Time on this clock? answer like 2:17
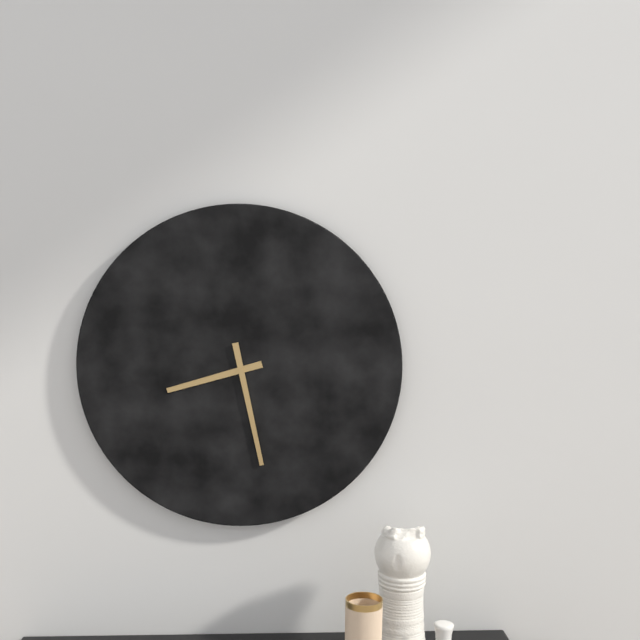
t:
8:28
